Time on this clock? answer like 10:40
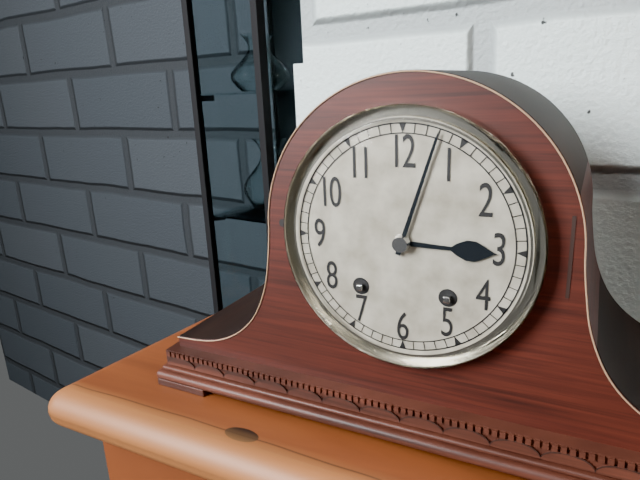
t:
3:03
